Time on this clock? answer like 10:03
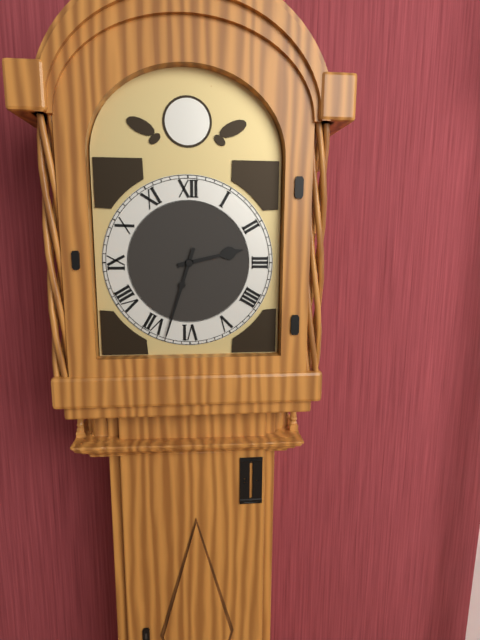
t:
2:33
